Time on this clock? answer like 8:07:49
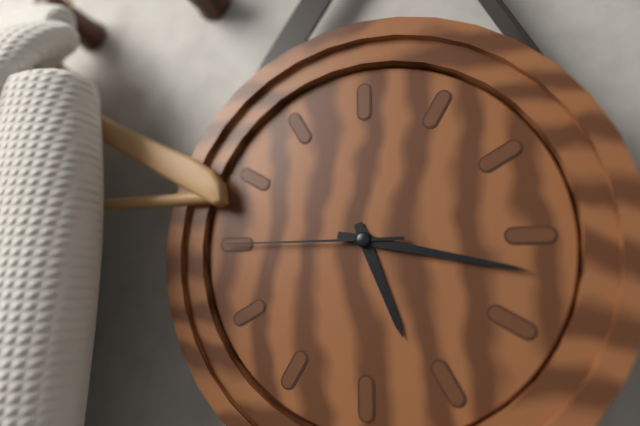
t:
5:17:45
